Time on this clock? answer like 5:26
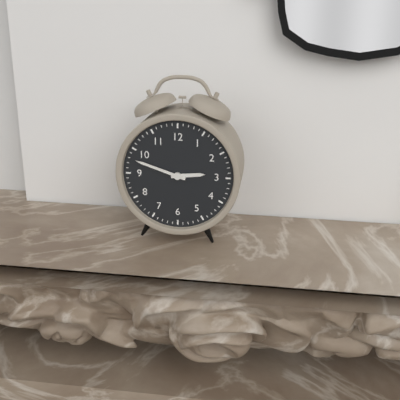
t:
2:48
